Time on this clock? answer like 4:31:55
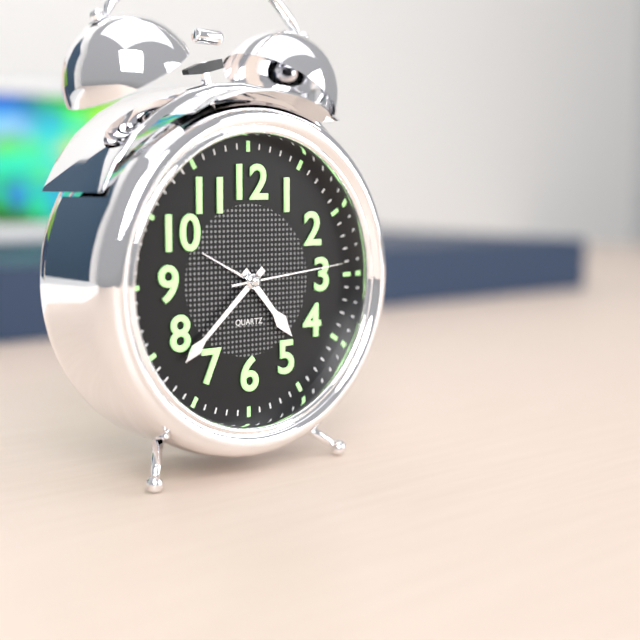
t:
4:38:14
